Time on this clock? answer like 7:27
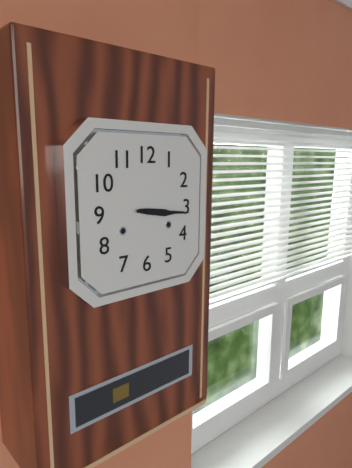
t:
3:16
